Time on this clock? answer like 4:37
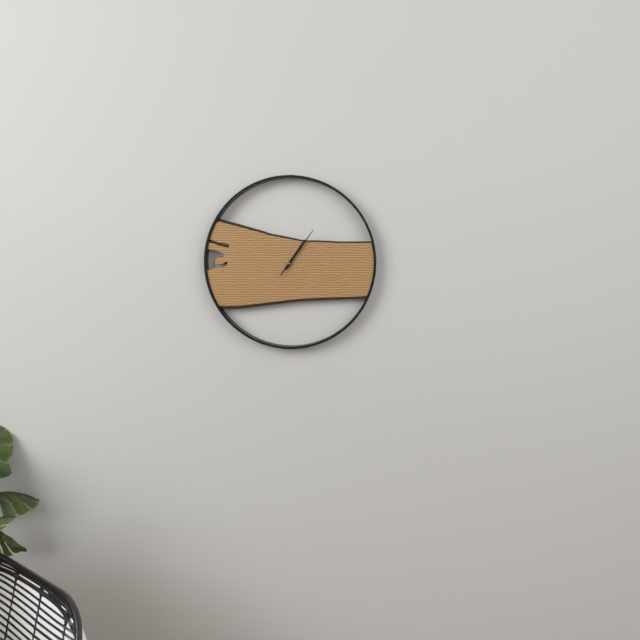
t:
1:06
